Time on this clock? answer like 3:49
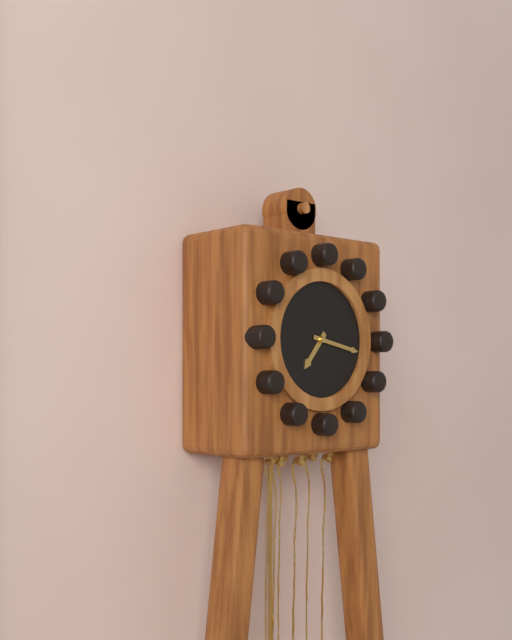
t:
7:17
